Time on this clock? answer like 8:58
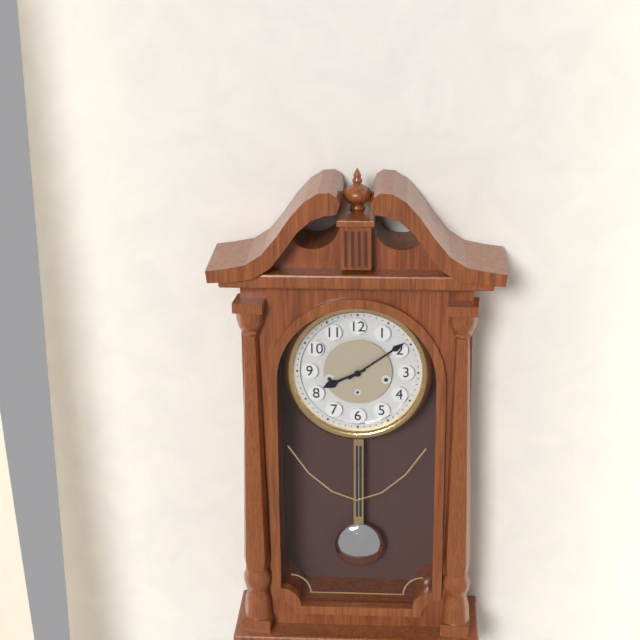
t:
8:09
